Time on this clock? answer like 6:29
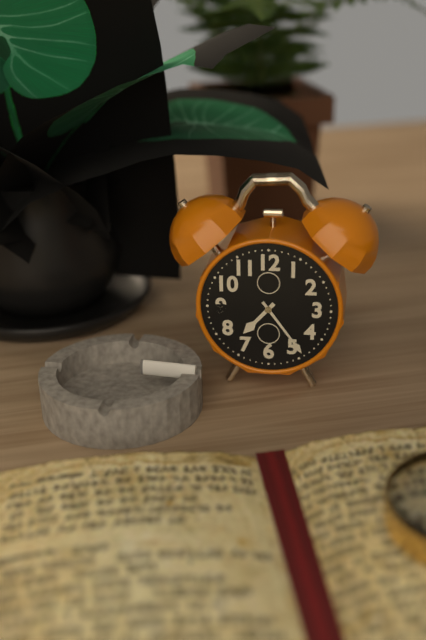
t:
7:24
